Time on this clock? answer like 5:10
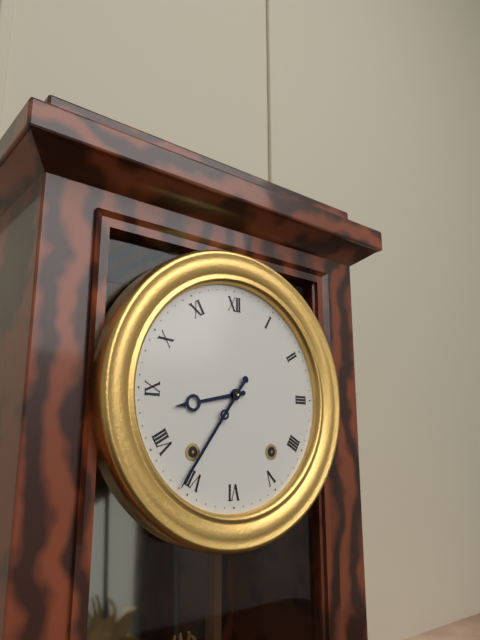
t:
8:36
